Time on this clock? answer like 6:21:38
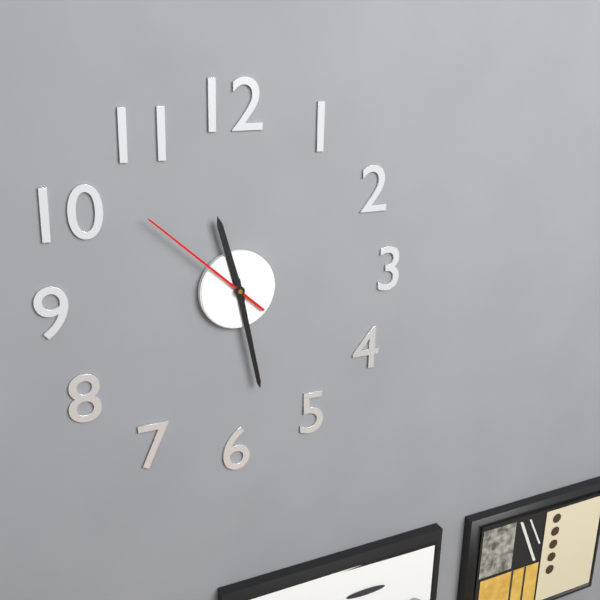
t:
11:28:52
